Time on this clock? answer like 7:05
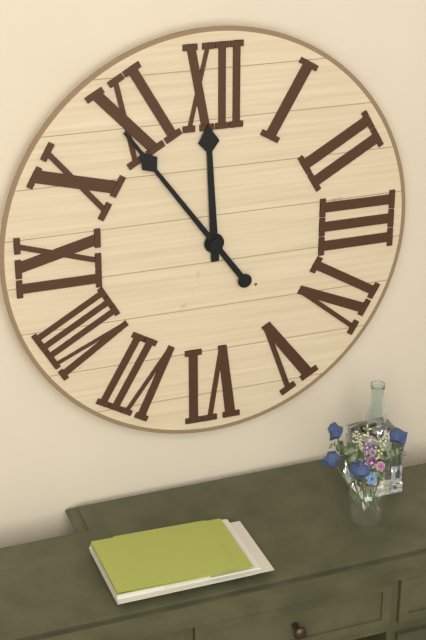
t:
11:54
